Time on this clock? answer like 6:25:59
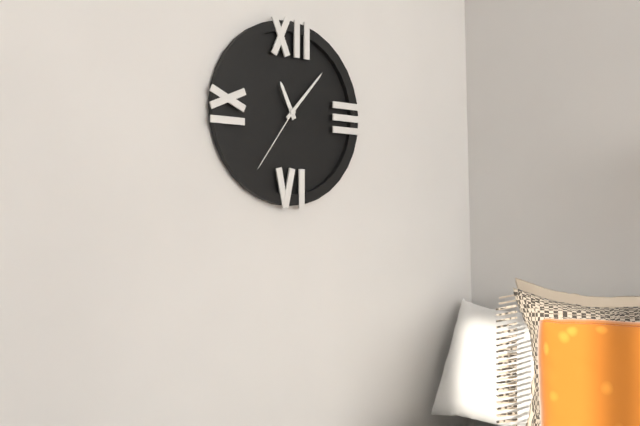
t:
11:07:36
